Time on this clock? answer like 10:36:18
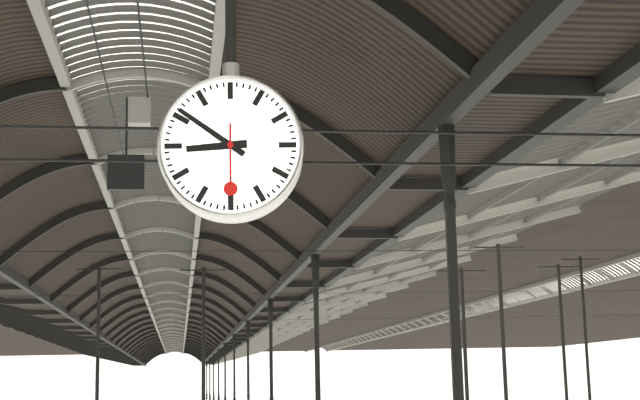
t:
8:51:30
